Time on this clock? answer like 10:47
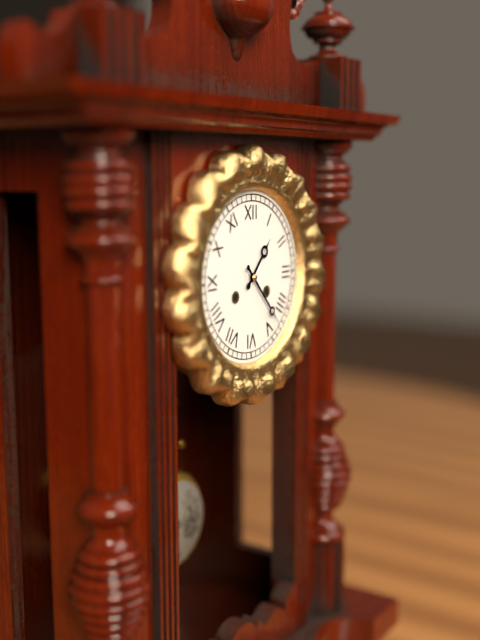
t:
1:23
